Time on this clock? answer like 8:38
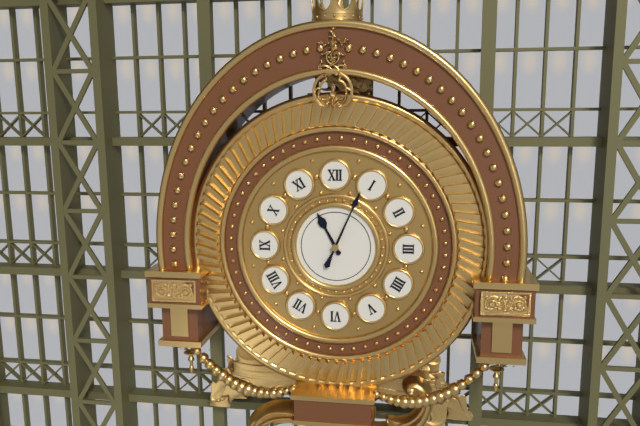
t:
11:04
